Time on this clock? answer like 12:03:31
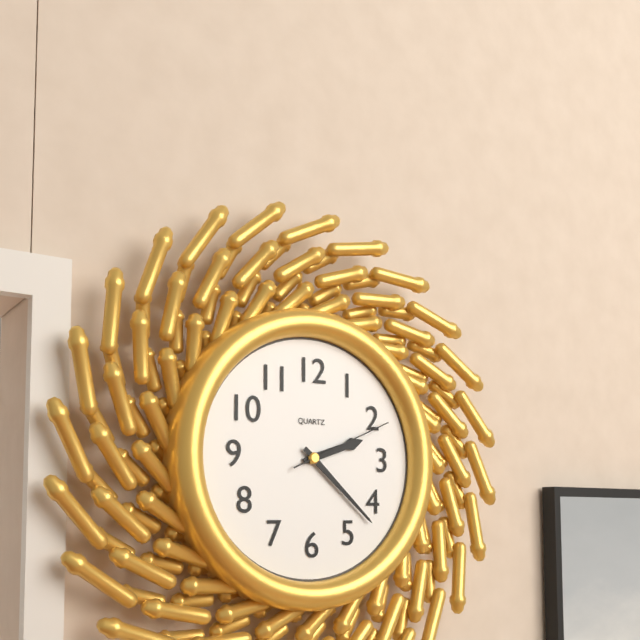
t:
2:22:11
